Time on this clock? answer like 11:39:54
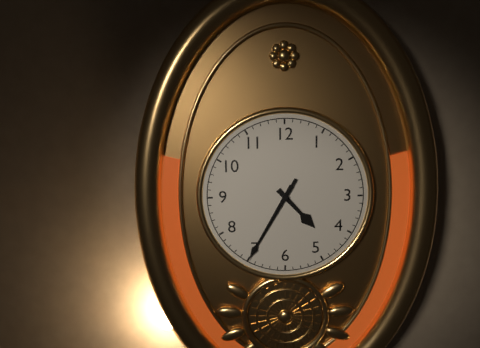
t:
4:35:35
